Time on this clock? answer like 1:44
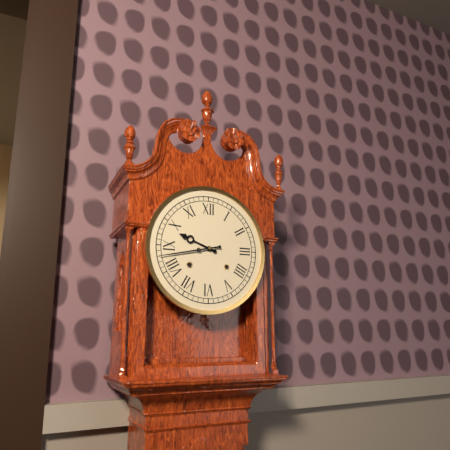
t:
9:43
